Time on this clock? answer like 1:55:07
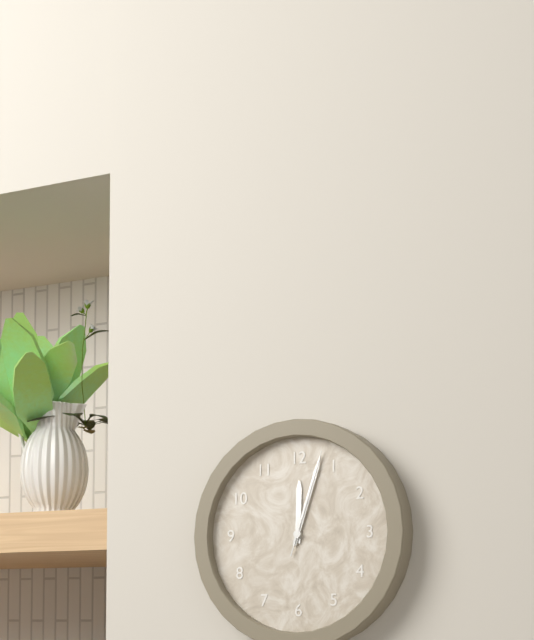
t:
12:03:03
